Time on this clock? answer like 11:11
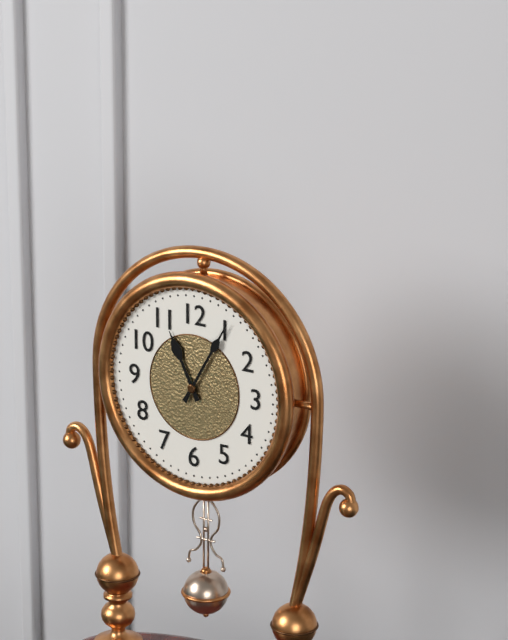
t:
11:05
